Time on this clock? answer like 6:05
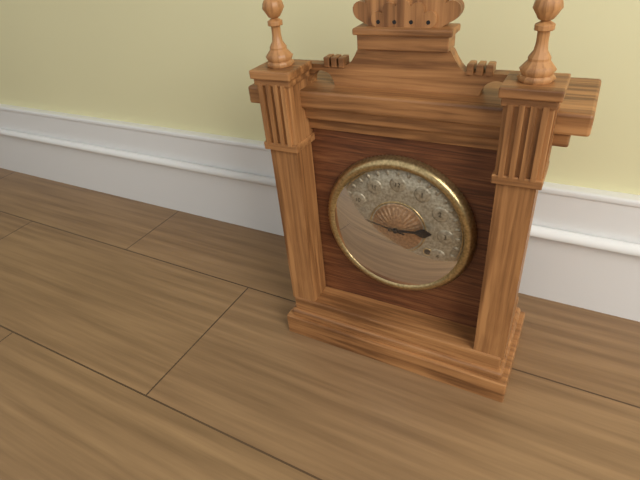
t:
2:47
